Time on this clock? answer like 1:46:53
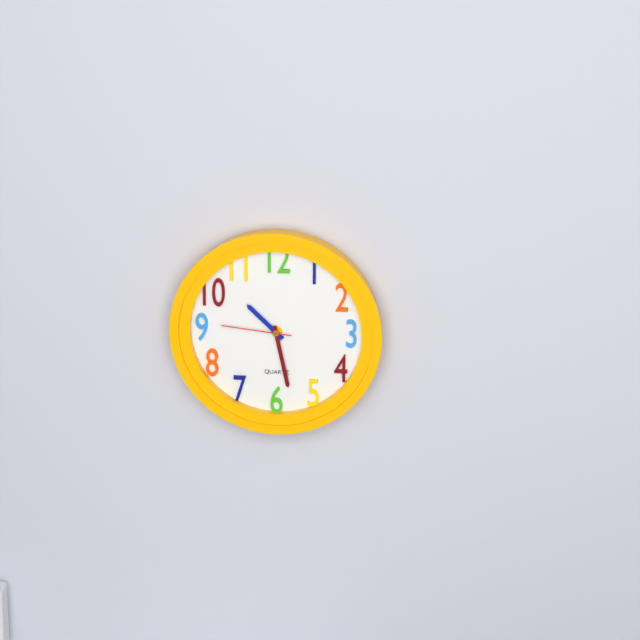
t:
10:28:46
